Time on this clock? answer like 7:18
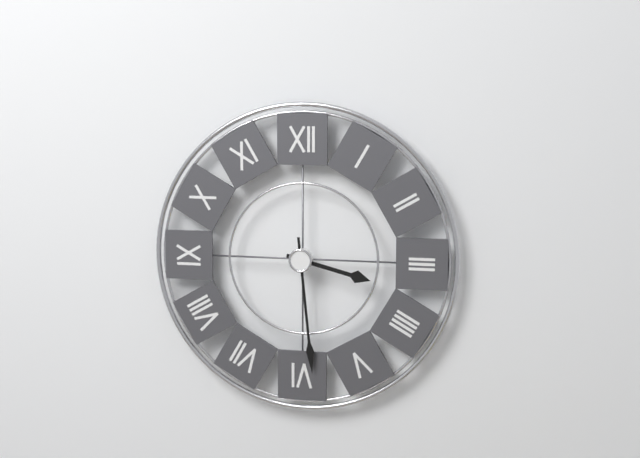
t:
3:29
